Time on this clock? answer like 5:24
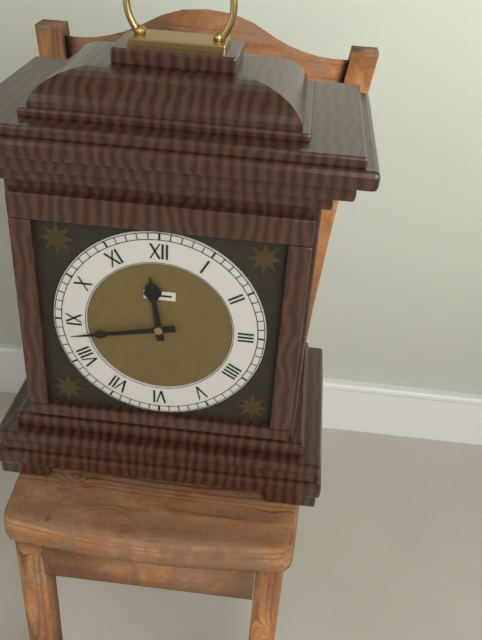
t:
11:43
